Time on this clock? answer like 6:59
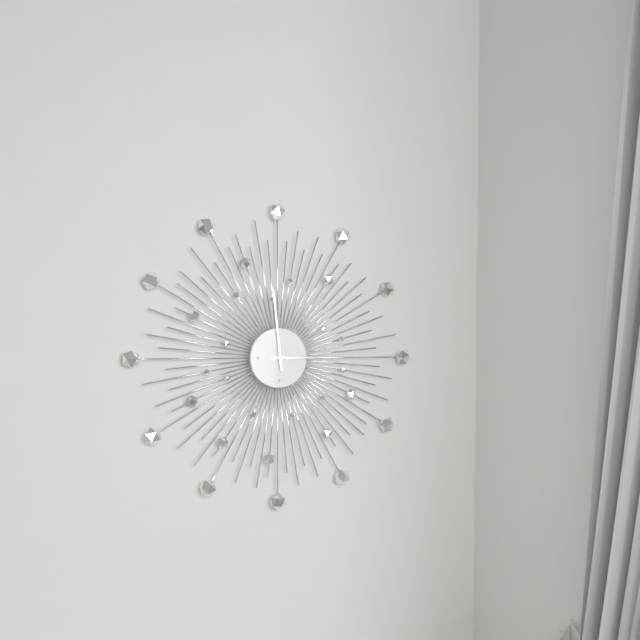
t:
2:59
